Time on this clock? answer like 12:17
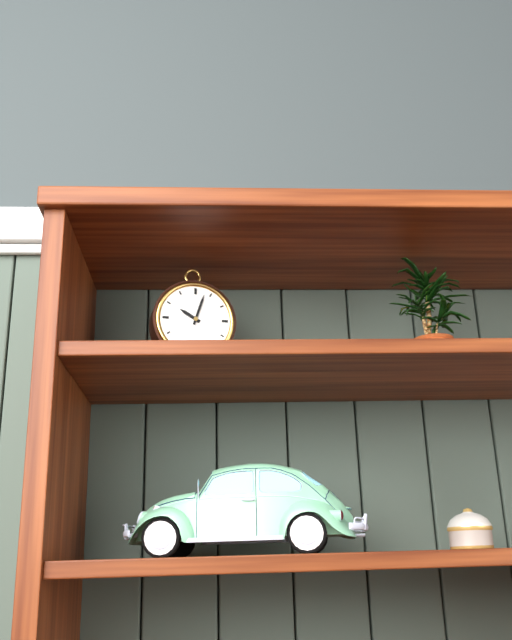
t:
10:03
